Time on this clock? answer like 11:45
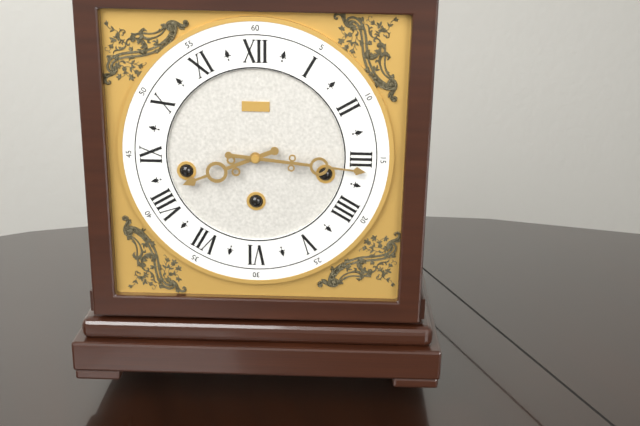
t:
8:16
